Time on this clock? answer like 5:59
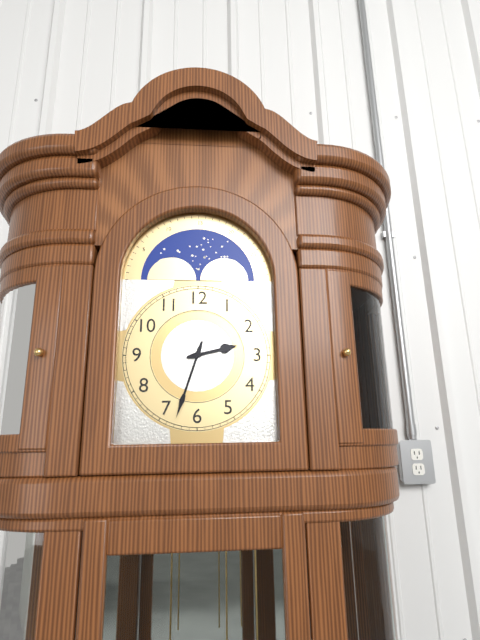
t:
2:33
